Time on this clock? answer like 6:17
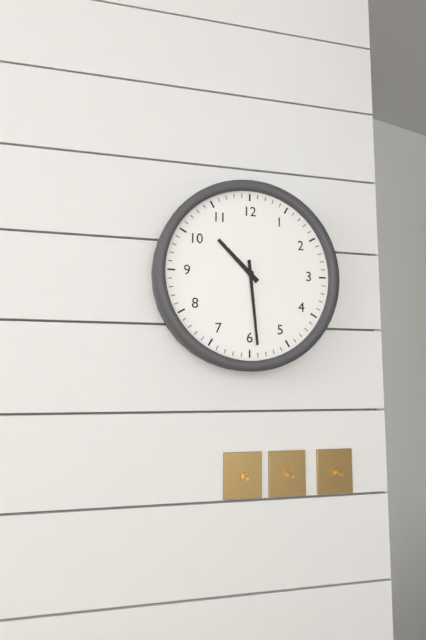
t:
10:29
